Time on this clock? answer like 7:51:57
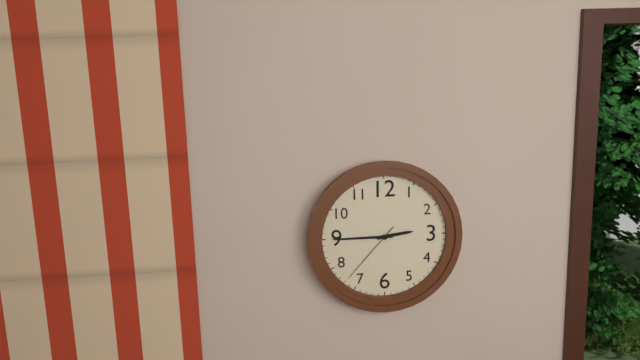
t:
2:45:37
